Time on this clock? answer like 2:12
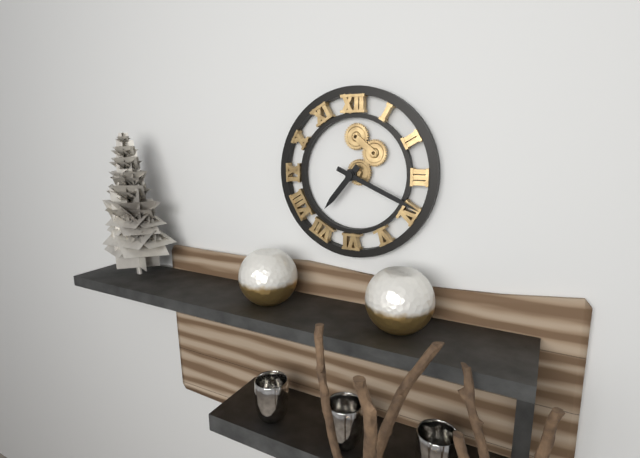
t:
7:19
